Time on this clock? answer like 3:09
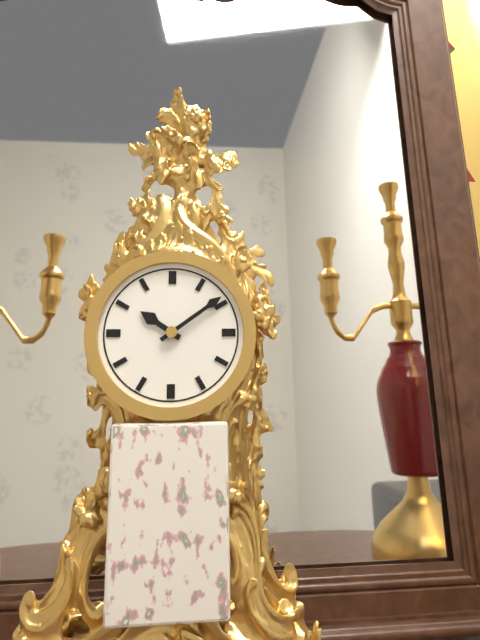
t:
10:09
